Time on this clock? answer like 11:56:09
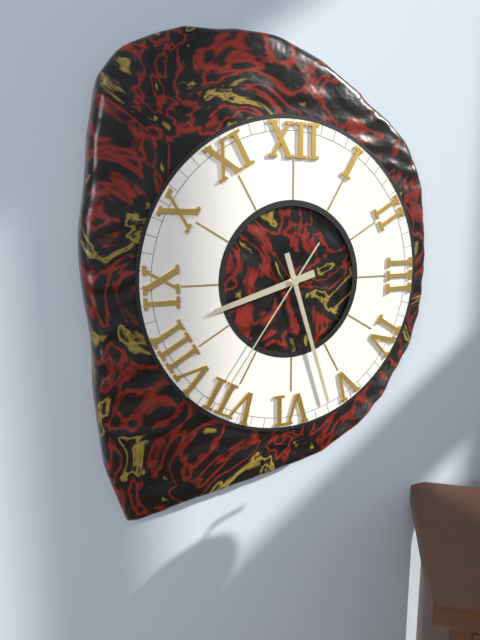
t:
8:27:36
